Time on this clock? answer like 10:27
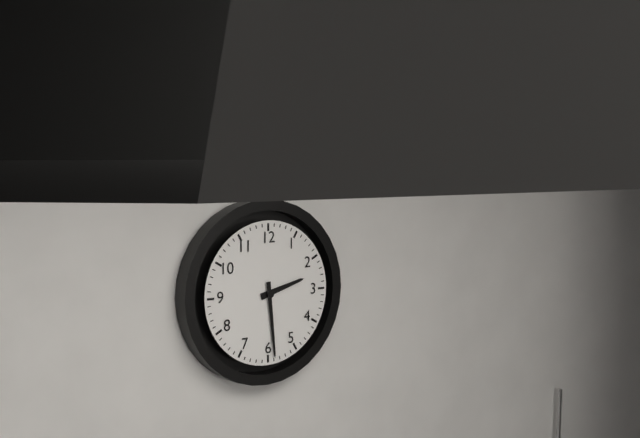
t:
2:29
